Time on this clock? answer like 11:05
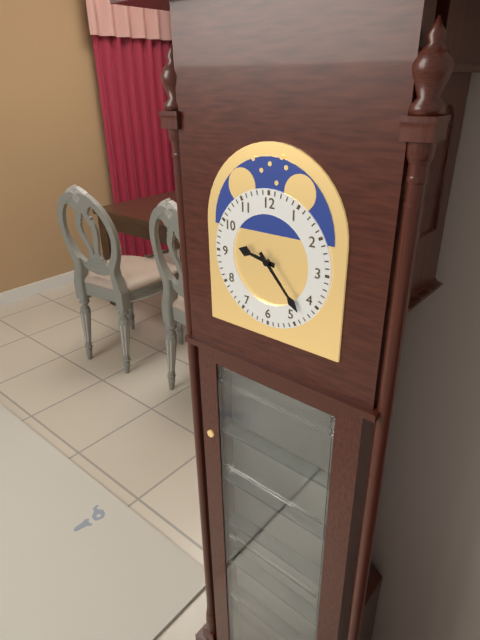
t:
9:23
